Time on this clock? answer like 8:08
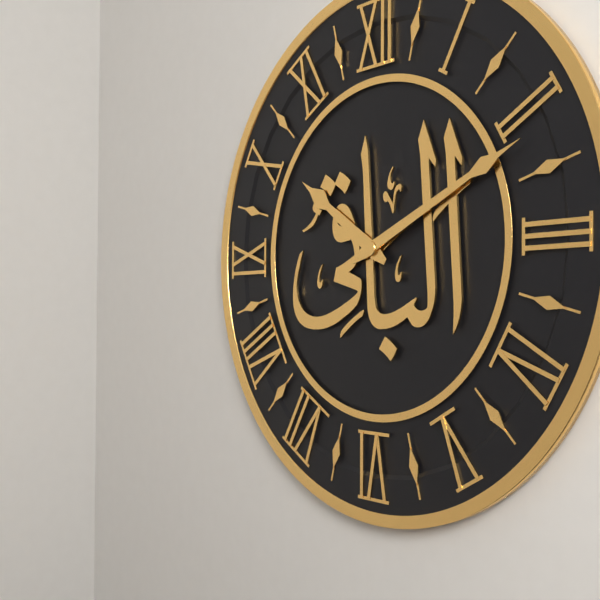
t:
10:11
